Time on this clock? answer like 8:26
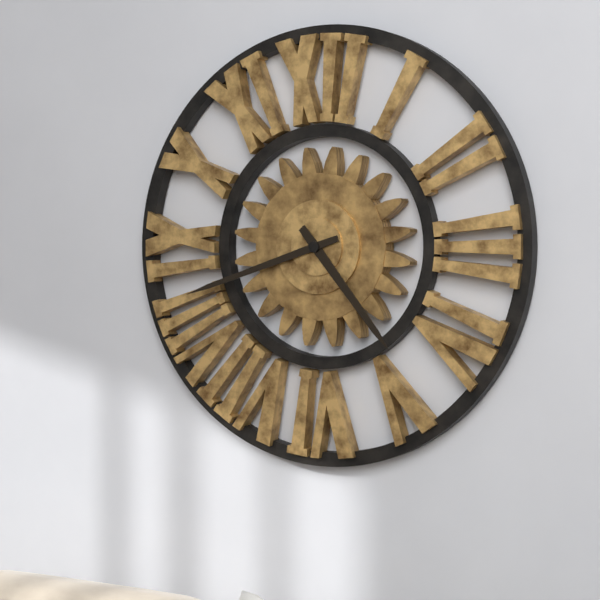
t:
4:42
